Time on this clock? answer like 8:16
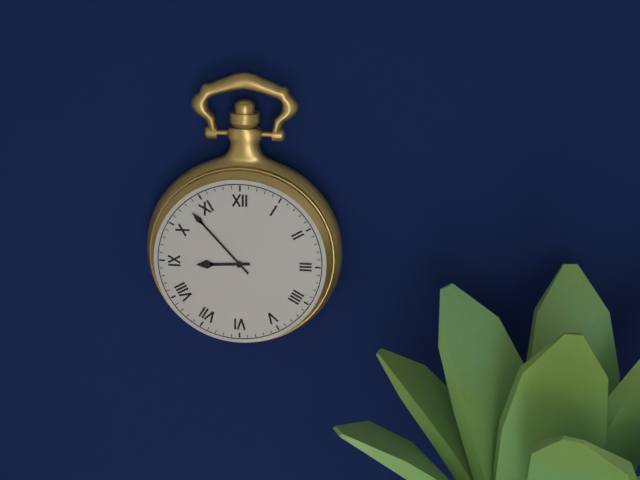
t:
8:53
